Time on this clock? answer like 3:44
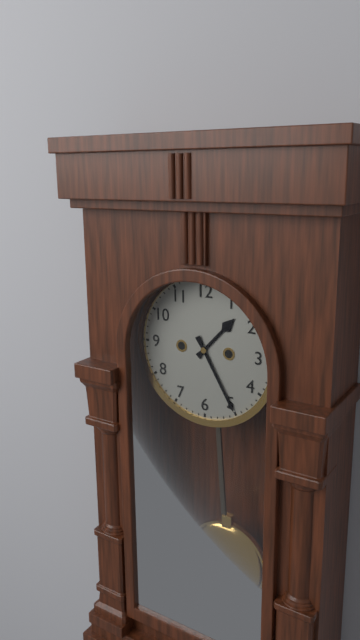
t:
1:25
